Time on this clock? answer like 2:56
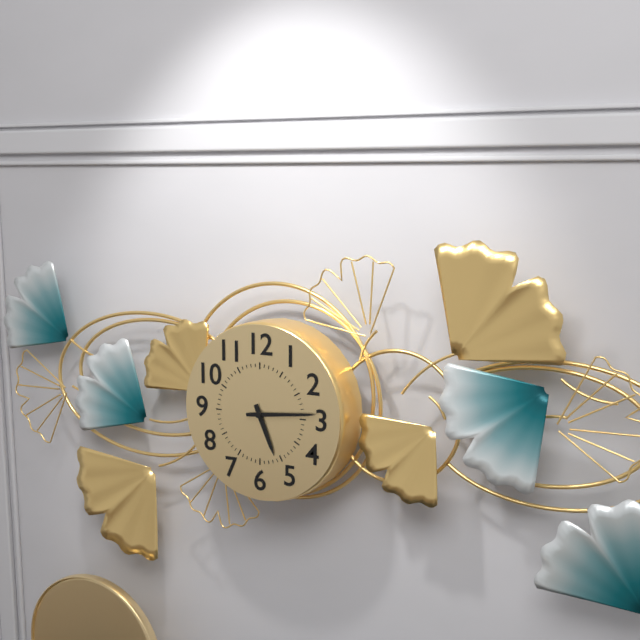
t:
5:14
